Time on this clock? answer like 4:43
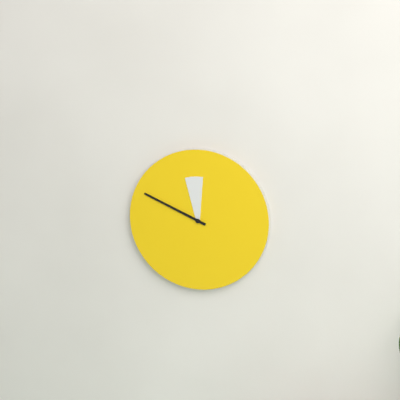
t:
11:49
